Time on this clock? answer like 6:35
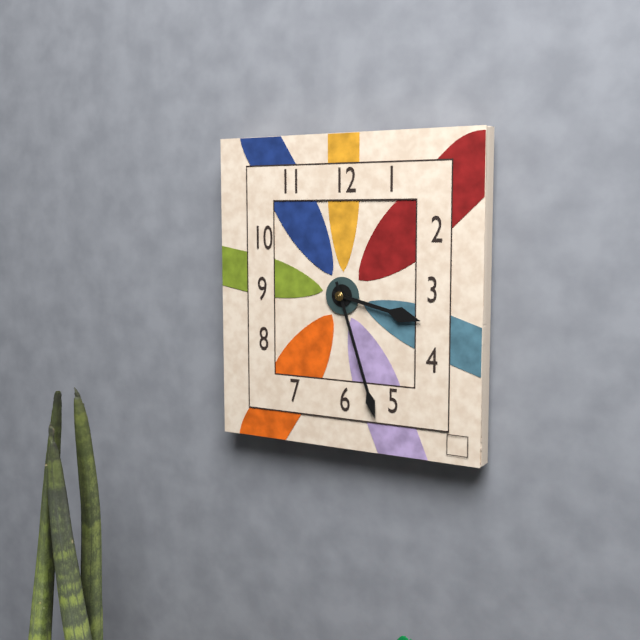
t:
3:27
